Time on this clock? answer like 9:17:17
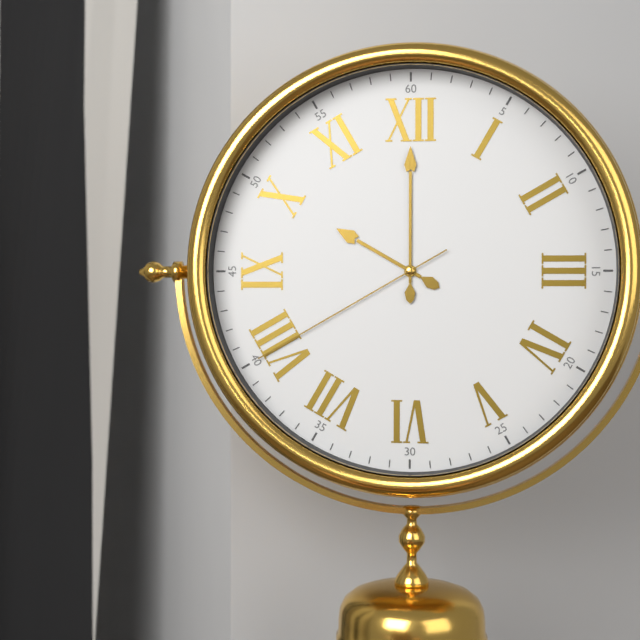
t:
10:00:40
